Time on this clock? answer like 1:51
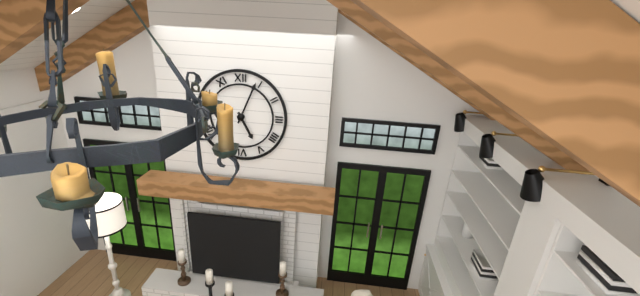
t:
5:04
